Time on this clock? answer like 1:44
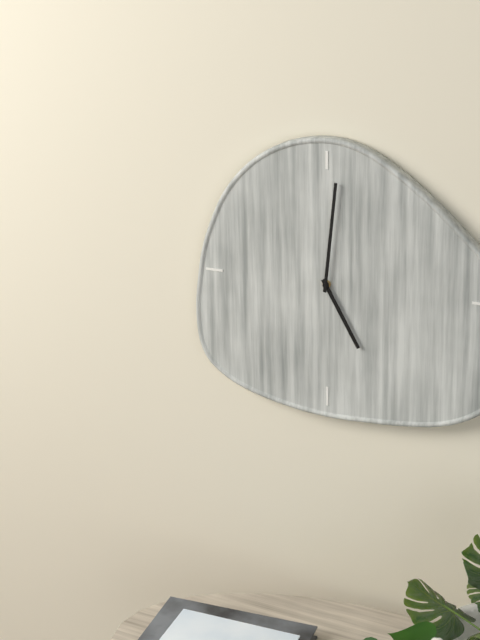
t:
5:01
